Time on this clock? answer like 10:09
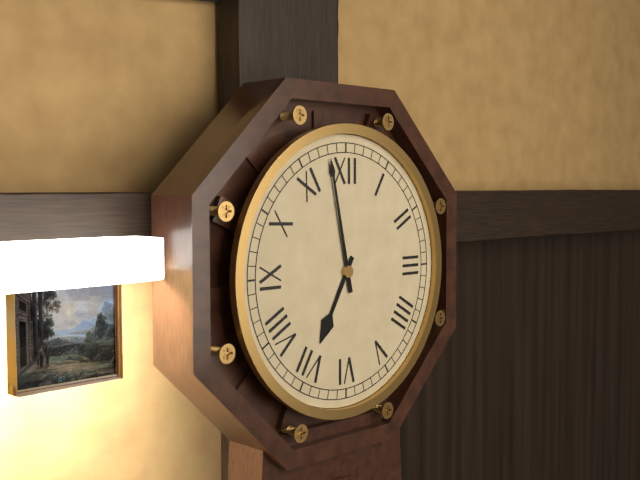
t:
6:58
